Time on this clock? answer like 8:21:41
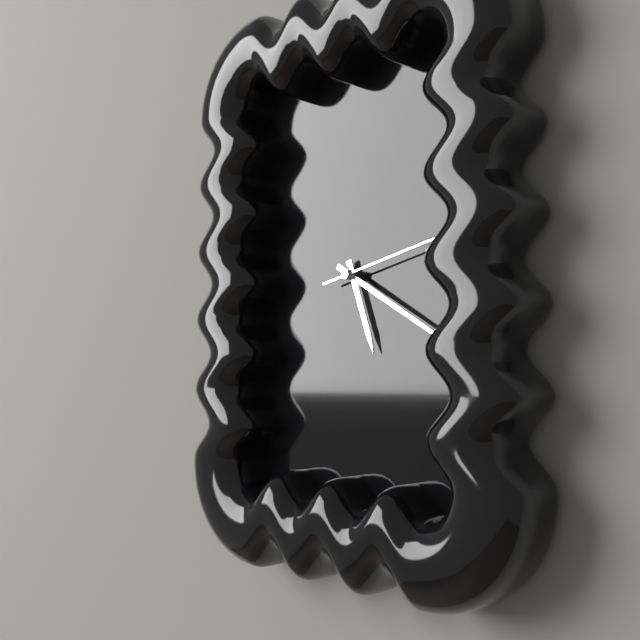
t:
5:20:13
